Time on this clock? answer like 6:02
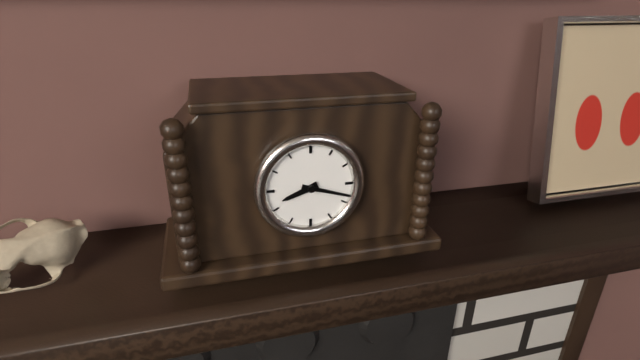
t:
8:18
